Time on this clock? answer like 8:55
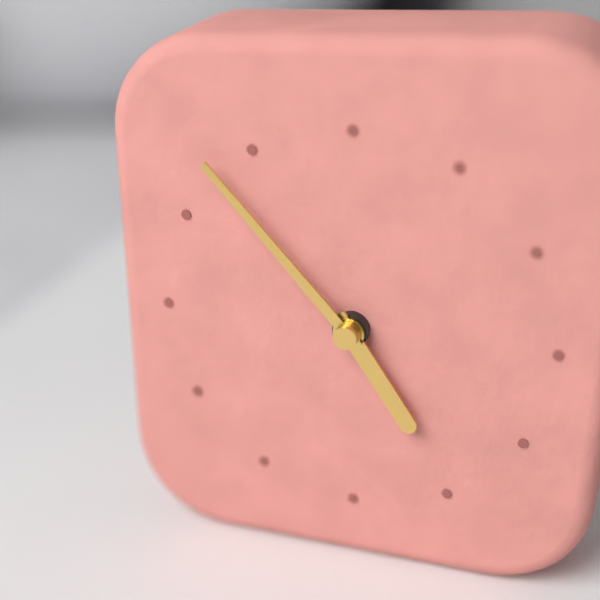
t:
4:53
